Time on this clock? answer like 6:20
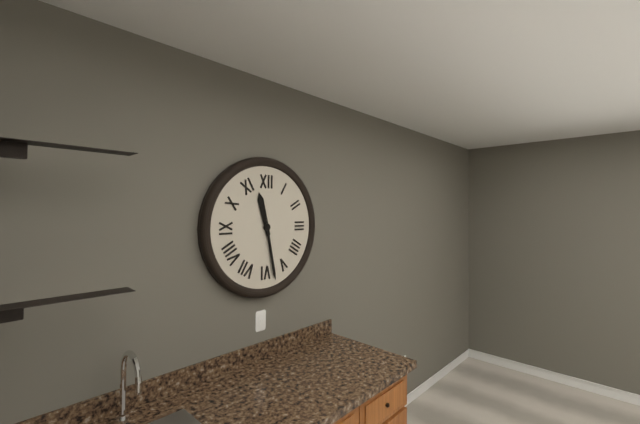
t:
11:28
